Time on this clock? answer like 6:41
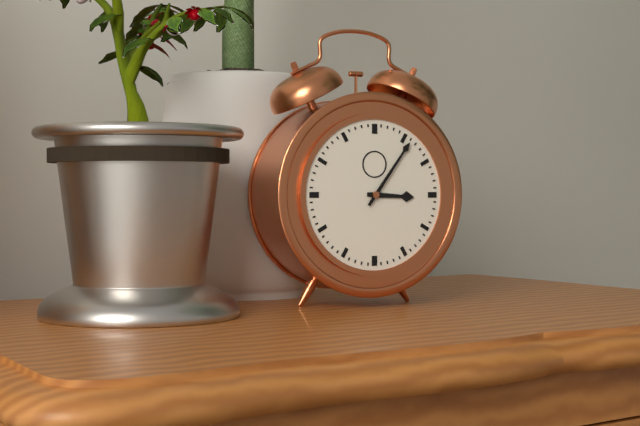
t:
3:06
